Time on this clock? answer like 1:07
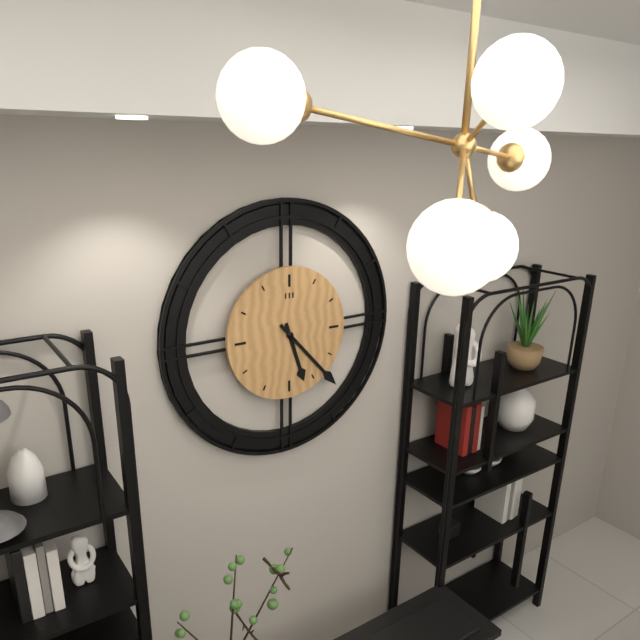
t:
5:23
